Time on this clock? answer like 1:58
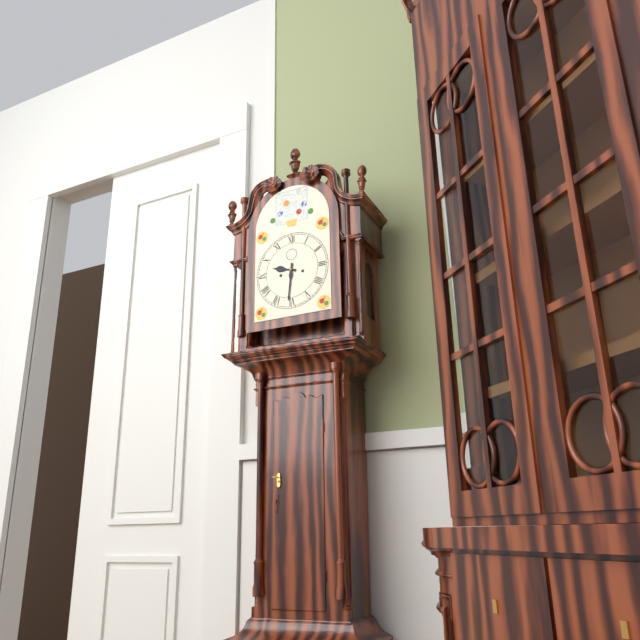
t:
9:31
